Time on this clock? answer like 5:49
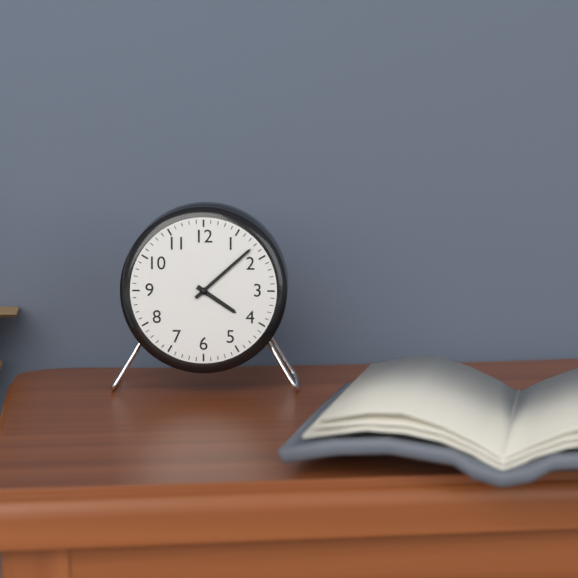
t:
4:08
